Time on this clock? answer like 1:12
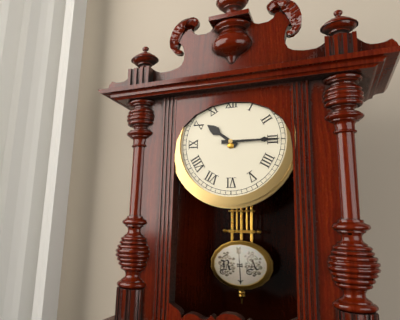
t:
10:15
